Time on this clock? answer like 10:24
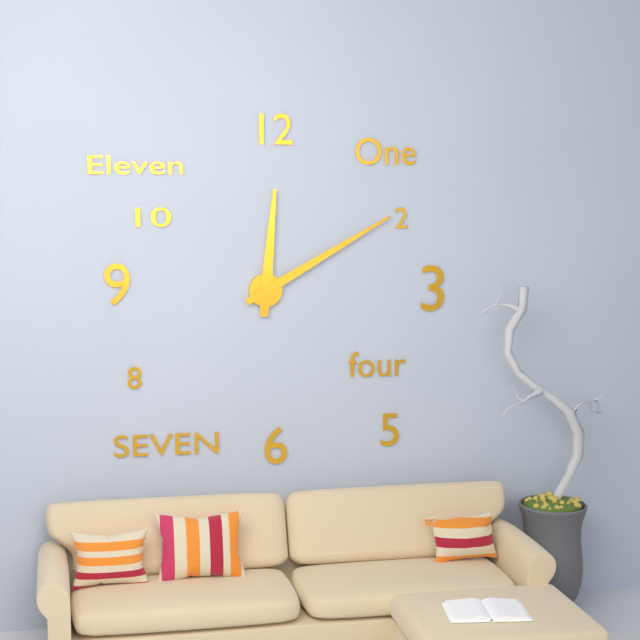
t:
12:10
